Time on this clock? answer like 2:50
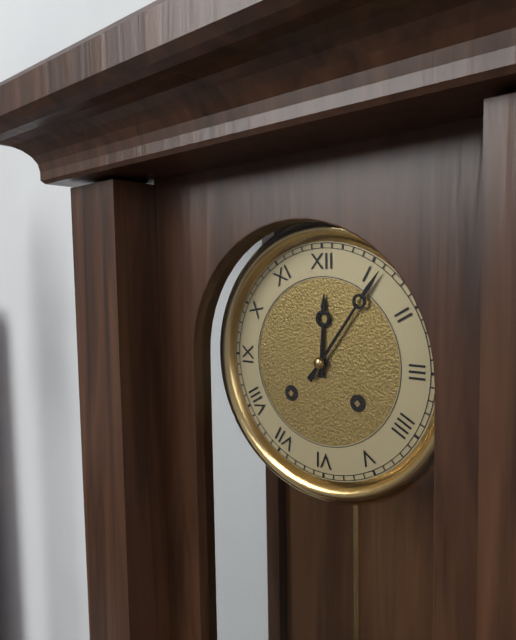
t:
12:06
